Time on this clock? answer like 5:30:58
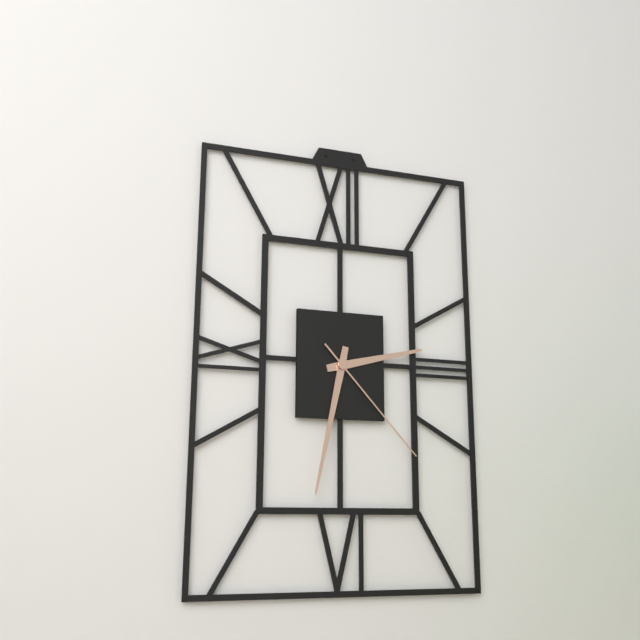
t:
2:32:23
